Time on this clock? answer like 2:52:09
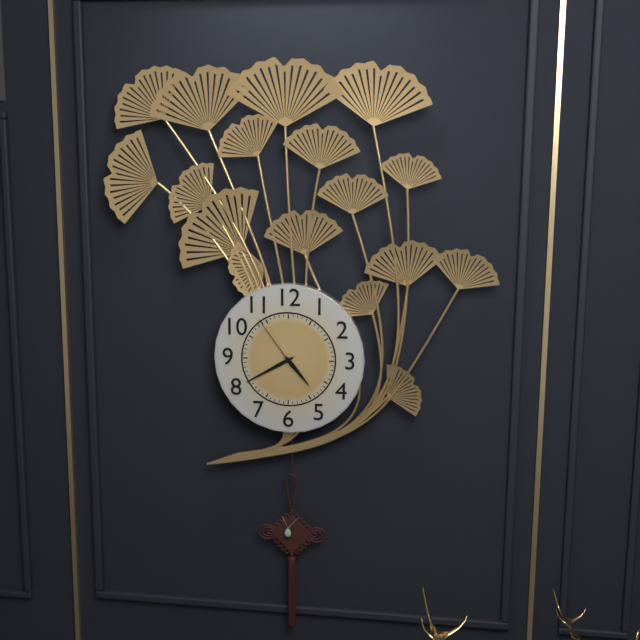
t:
4:40:54
